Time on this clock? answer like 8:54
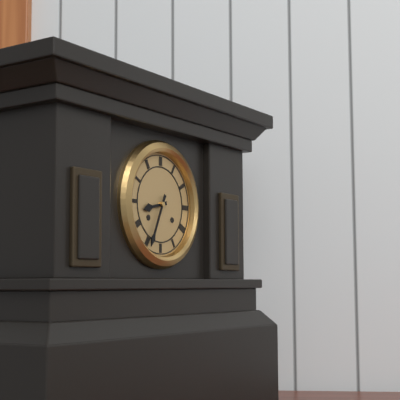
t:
8:34
